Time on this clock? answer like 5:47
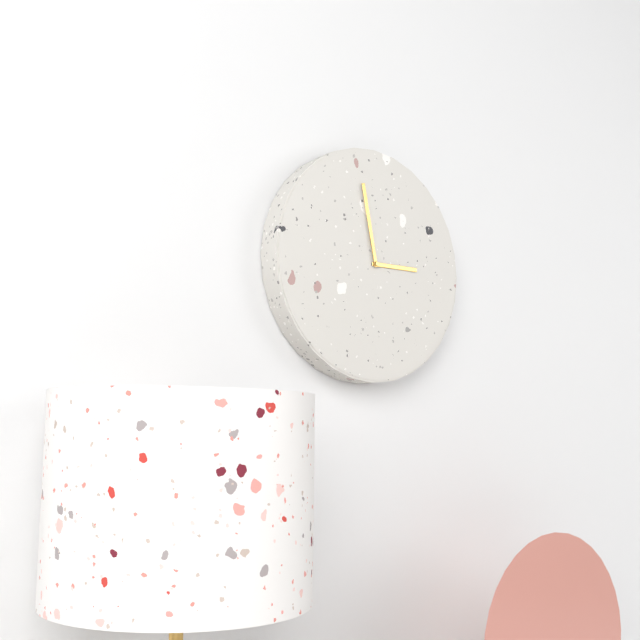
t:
2:58
